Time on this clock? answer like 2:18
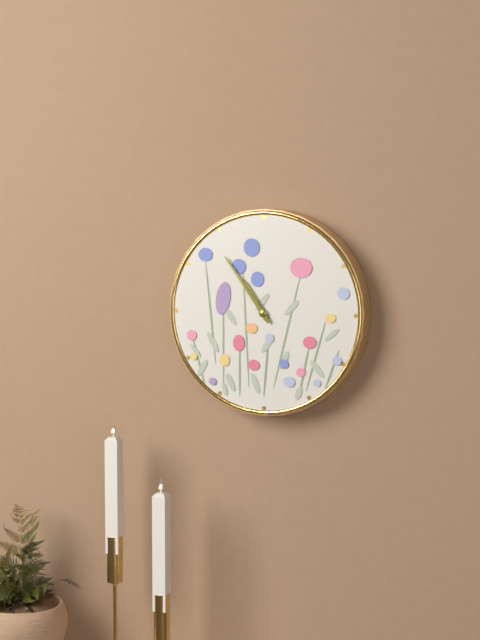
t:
10:54
